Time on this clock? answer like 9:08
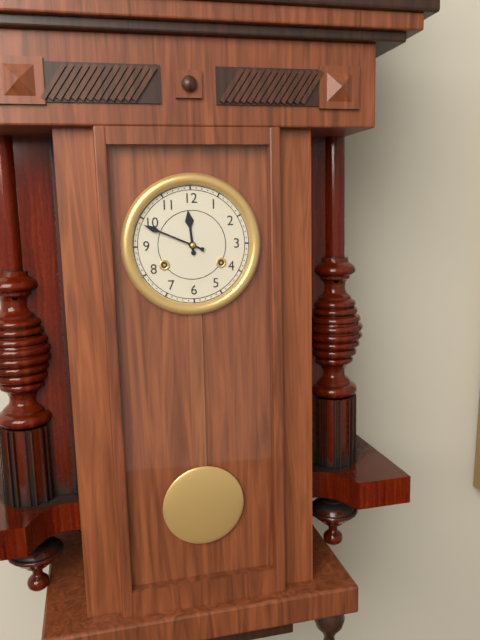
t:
11:49
